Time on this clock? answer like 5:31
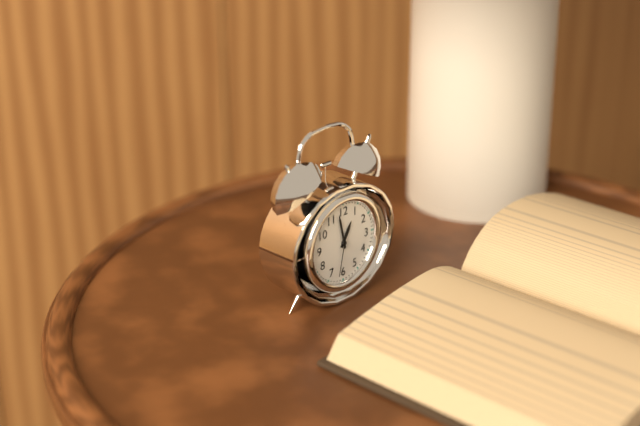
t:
12:58
